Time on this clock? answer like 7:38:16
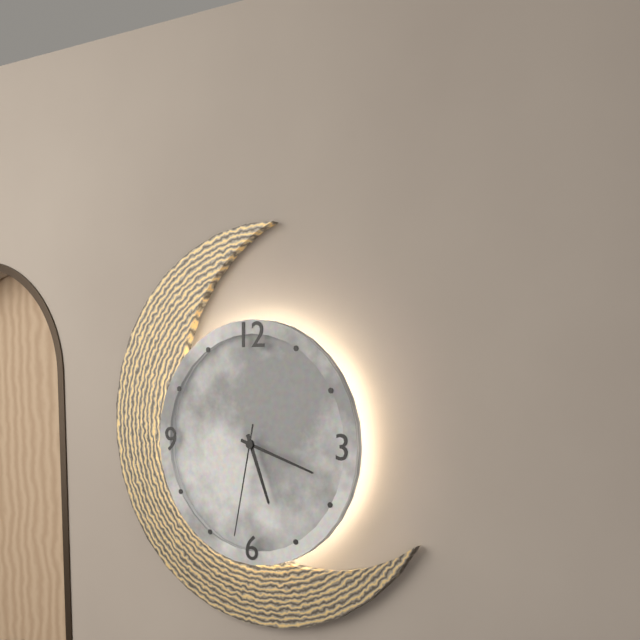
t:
5:18:32
